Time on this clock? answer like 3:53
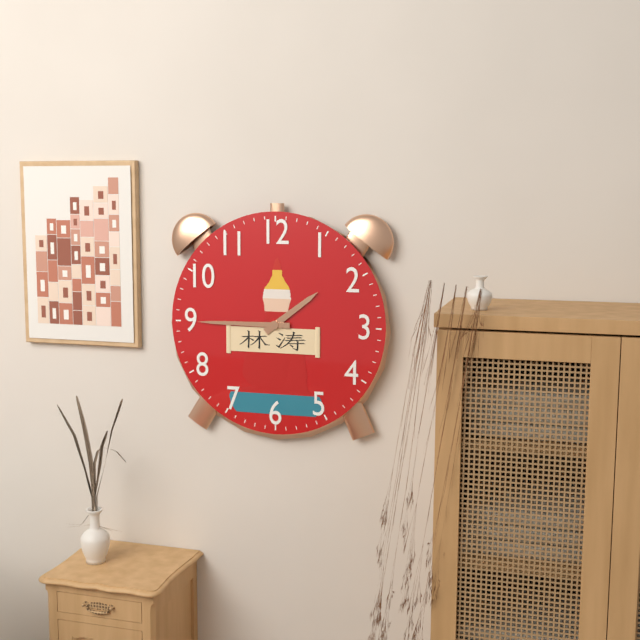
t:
1:45
